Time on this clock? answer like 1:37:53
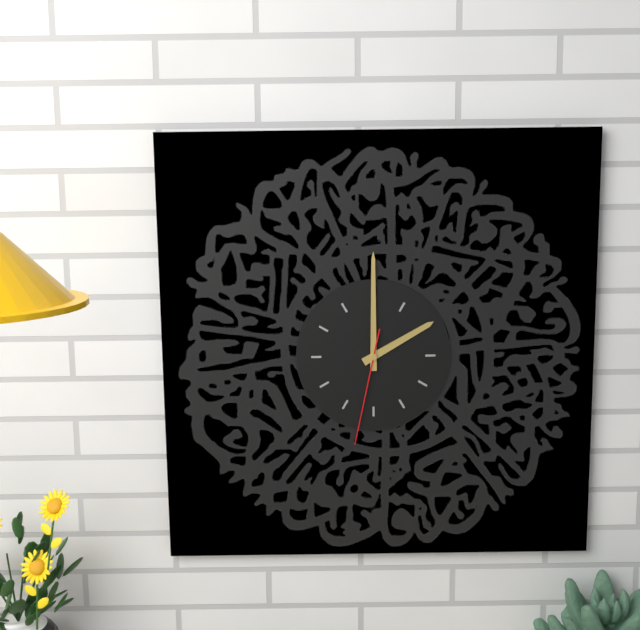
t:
2:00:32
